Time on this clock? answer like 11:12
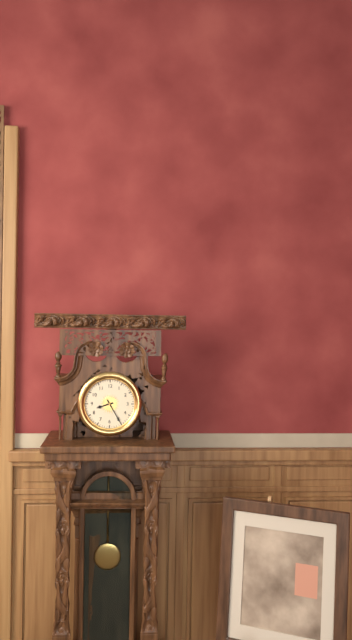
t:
8:25
